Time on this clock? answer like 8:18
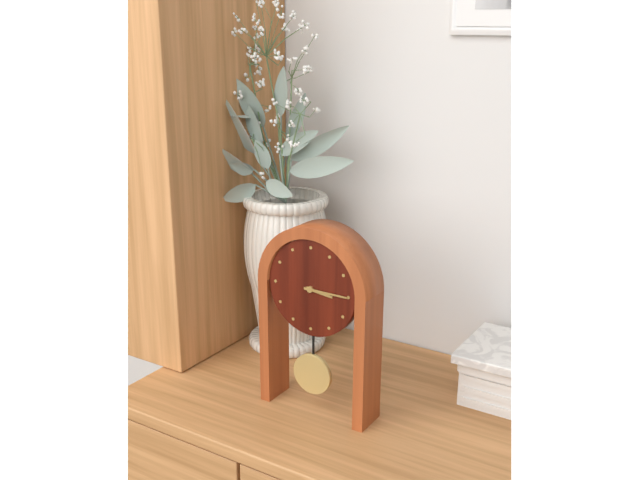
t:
3:15
